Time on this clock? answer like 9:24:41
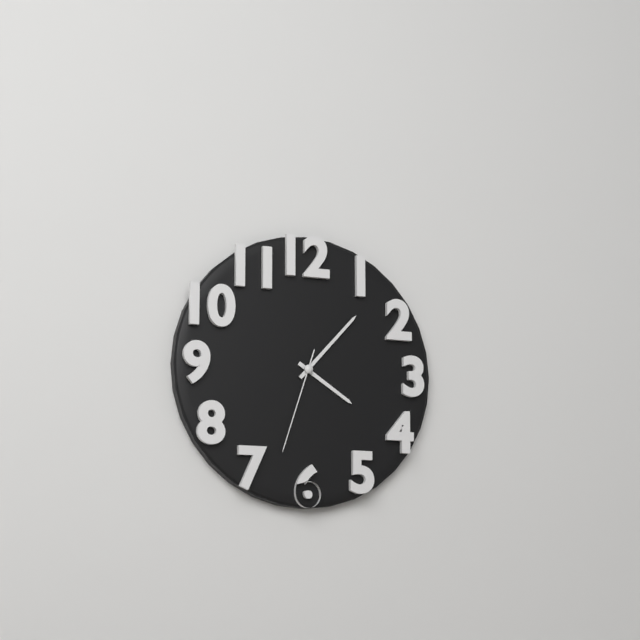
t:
4:07:33
